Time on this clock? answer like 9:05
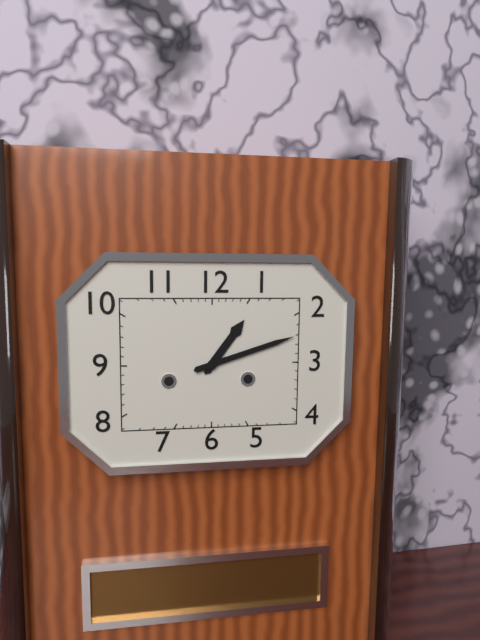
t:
1:12
